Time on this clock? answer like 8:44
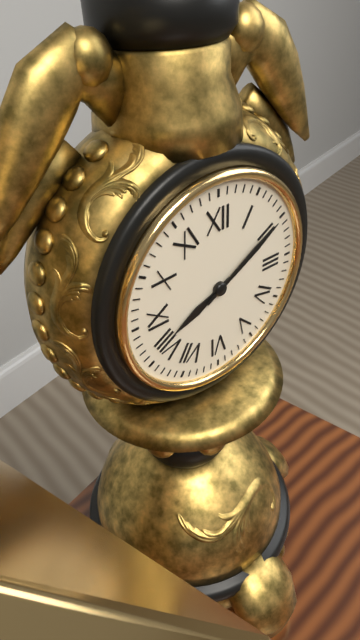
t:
8:10
